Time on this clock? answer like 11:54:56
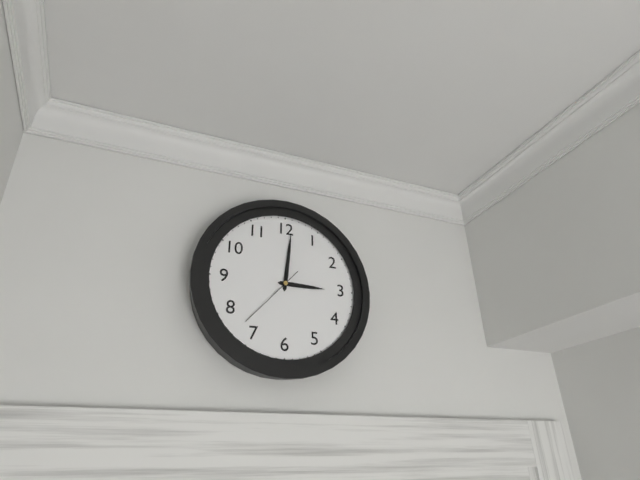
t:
3:01:37
